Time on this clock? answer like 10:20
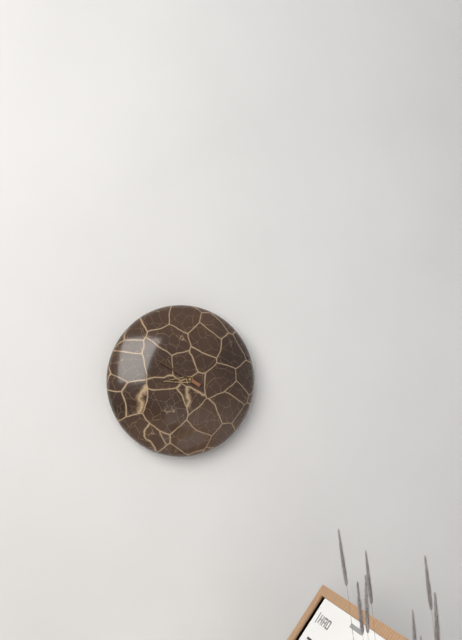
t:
8:50
